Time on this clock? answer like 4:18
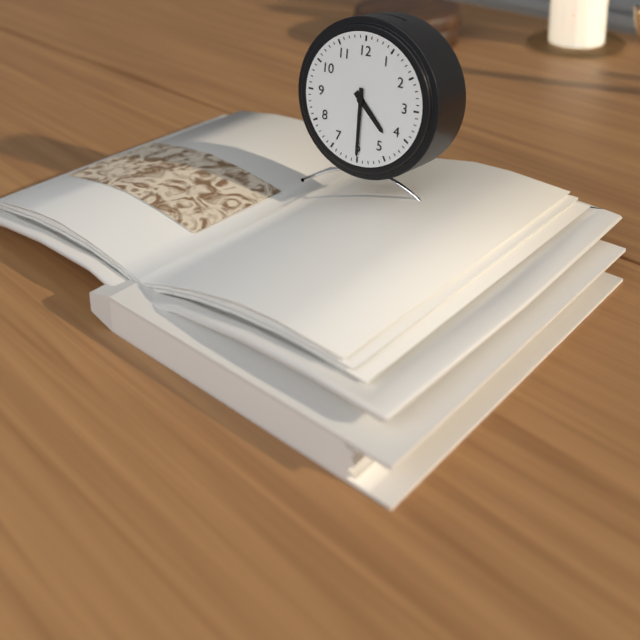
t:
4:30
